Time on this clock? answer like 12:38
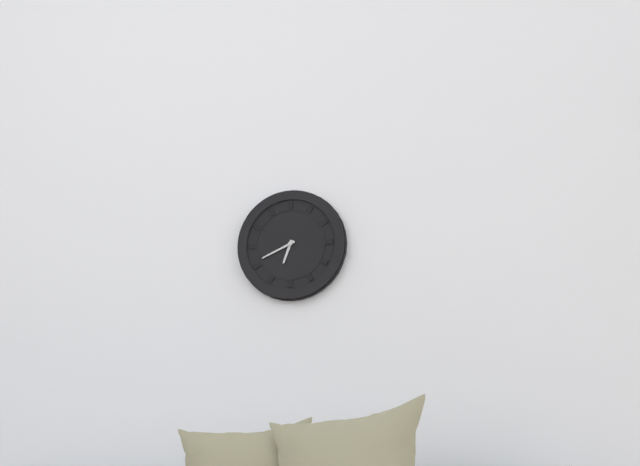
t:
6:41
